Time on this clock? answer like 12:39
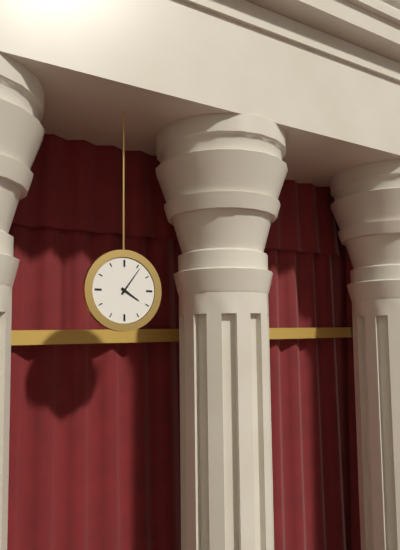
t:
4:06
